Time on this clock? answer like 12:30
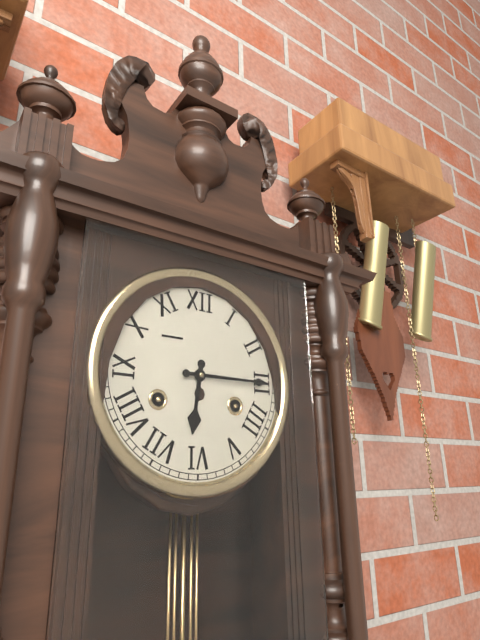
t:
6:15
